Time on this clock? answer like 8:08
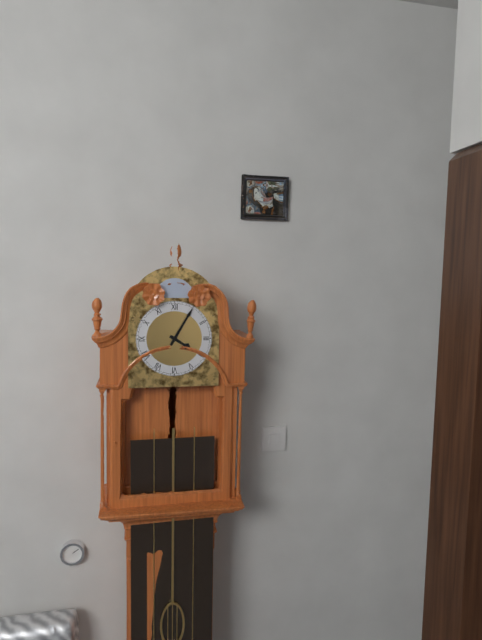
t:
4:05
